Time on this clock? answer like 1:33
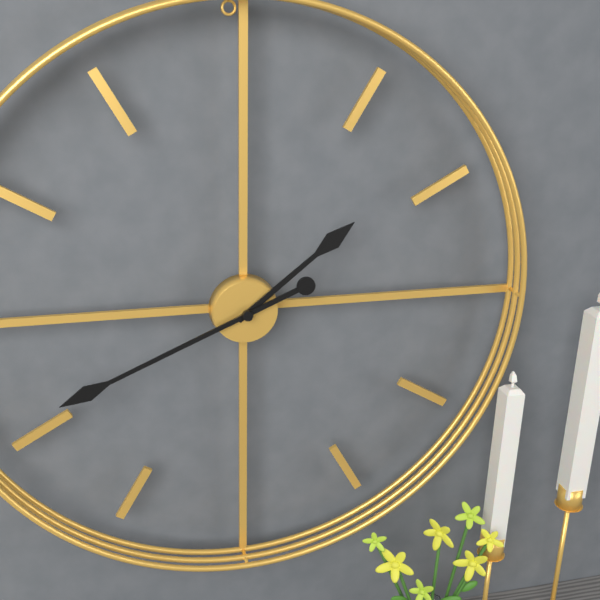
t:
1:41
